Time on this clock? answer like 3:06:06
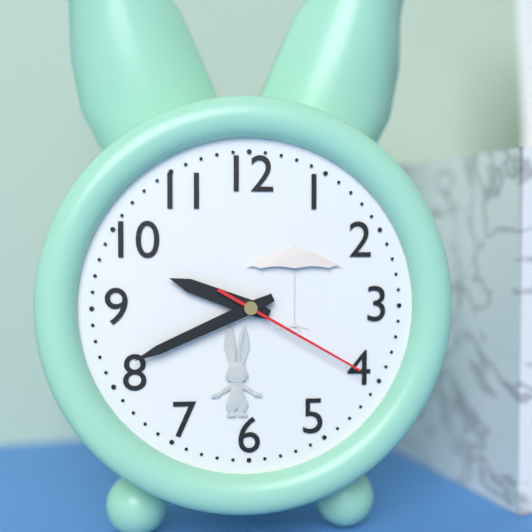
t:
9:41:20
